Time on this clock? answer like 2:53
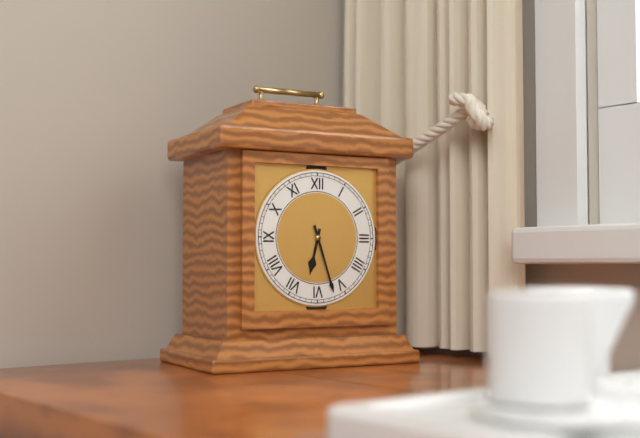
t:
6:27
